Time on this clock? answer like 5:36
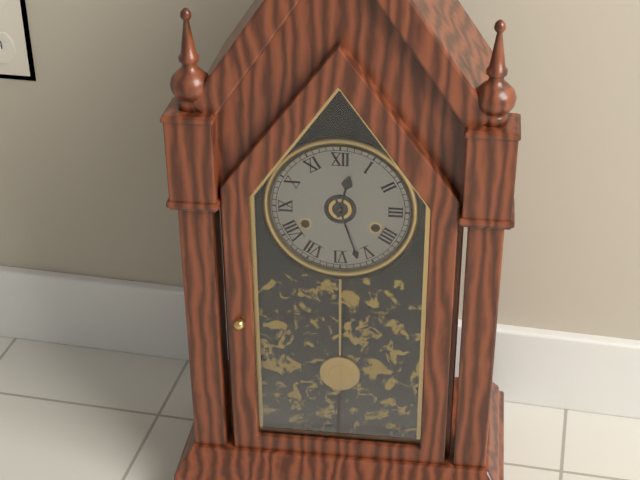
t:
12:27
